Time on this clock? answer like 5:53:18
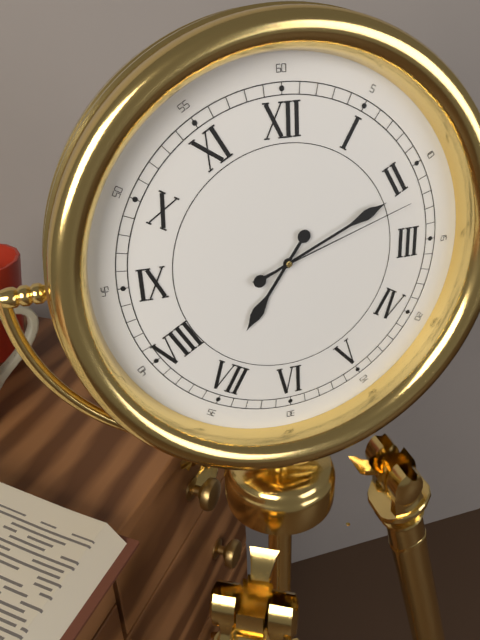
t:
7:11:12
